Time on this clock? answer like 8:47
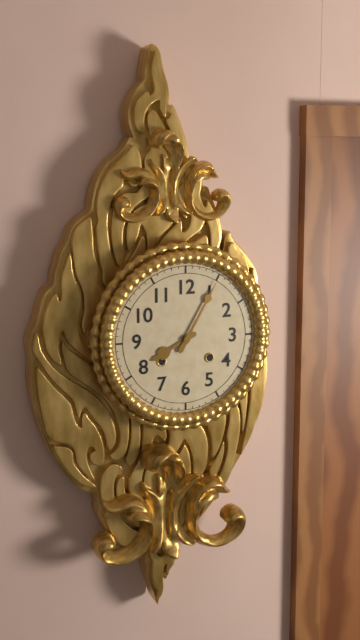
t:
8:05
